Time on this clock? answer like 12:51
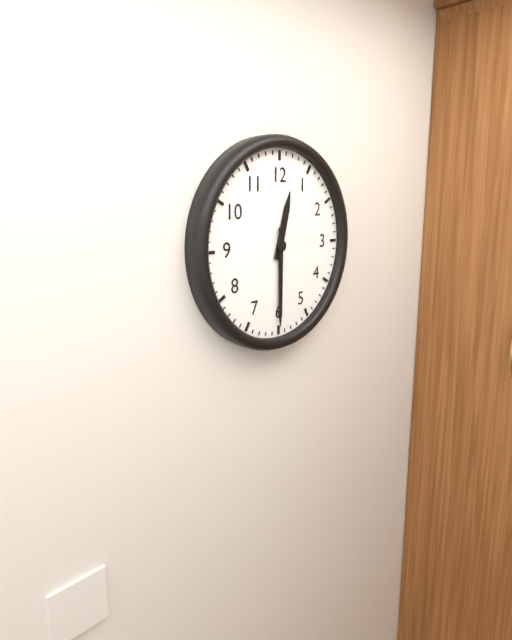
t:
12:30
